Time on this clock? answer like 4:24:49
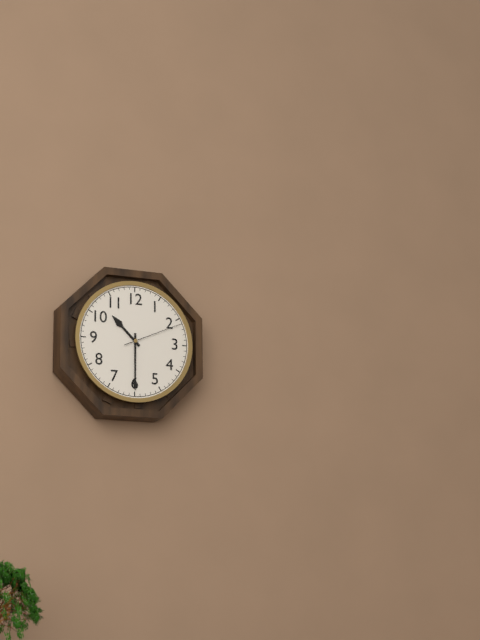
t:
10:30:11
